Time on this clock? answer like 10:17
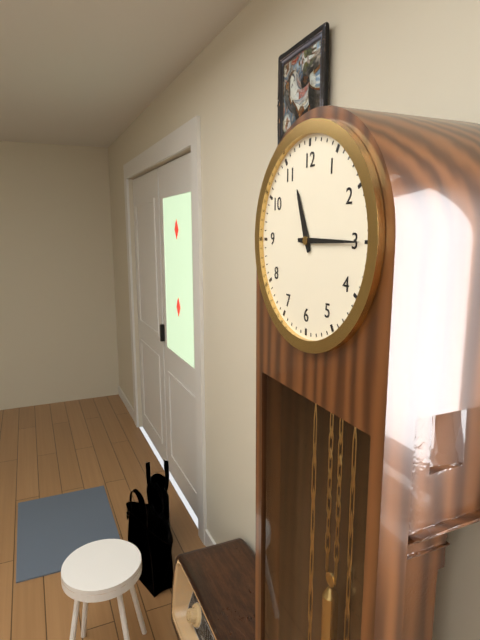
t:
11:15
